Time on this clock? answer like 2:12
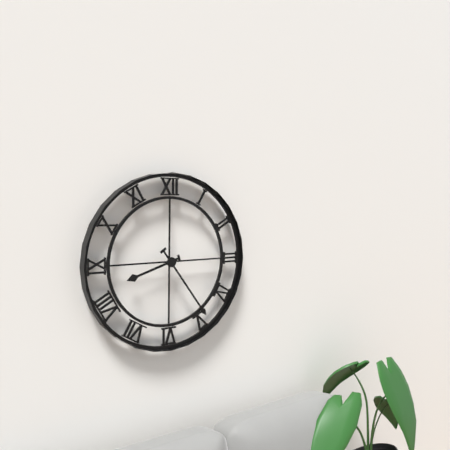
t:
8:24
